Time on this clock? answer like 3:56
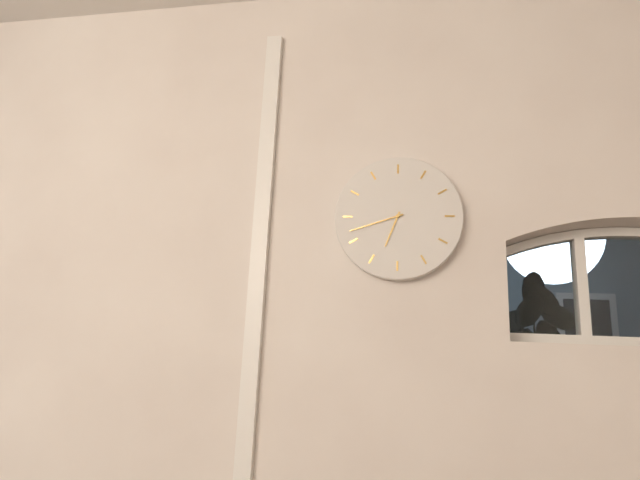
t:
6:42
